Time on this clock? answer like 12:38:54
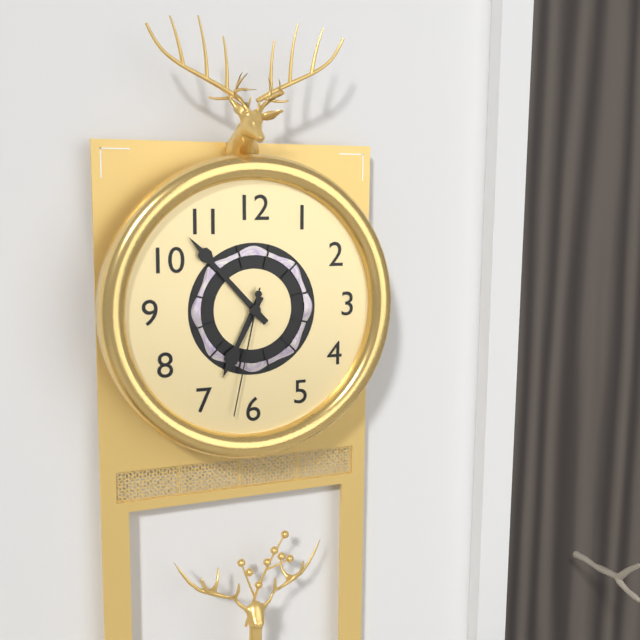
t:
6:53:32
